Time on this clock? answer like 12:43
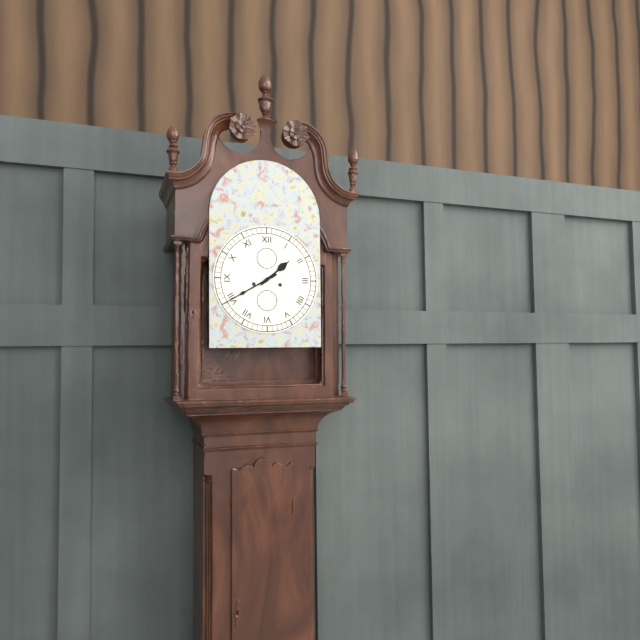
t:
1:40
